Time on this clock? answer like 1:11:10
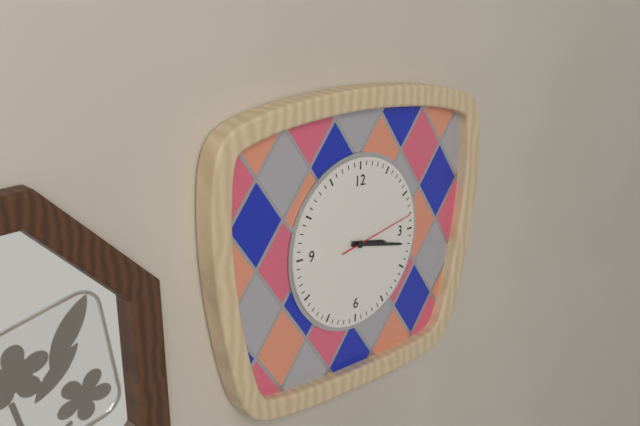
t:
3:17:13
